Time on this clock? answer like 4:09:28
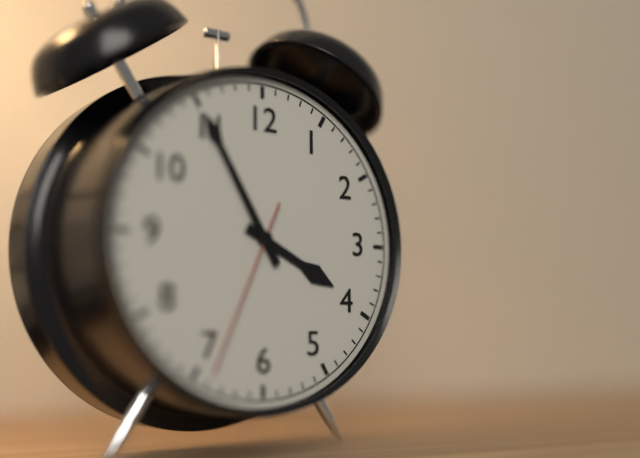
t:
3:55:34
